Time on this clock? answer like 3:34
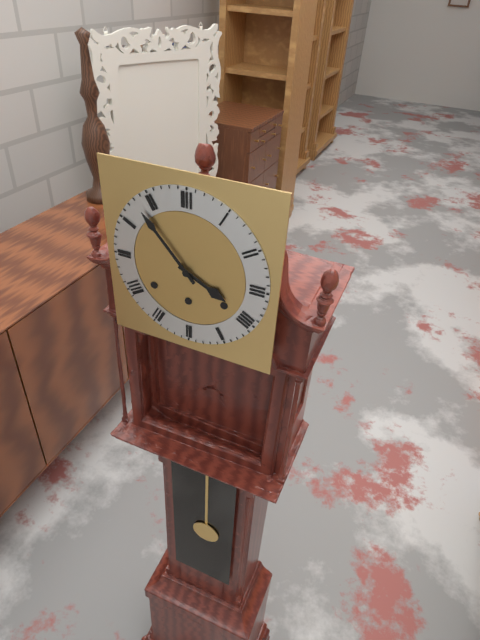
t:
3:53
